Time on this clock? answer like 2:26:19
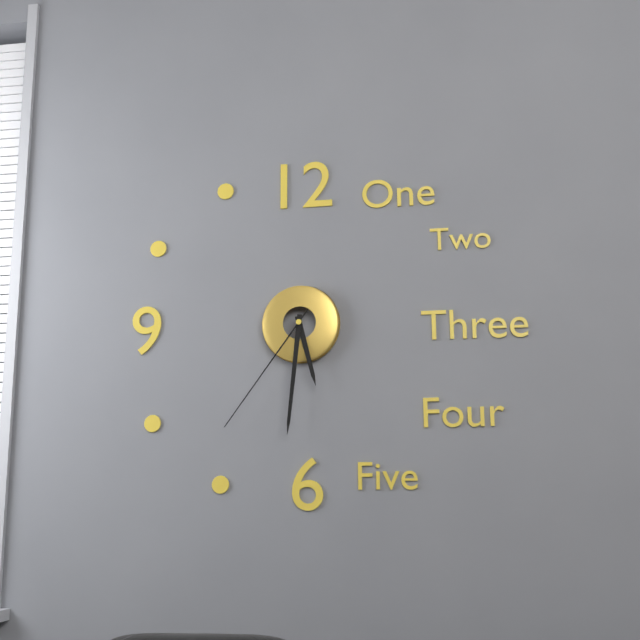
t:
5:31:36
